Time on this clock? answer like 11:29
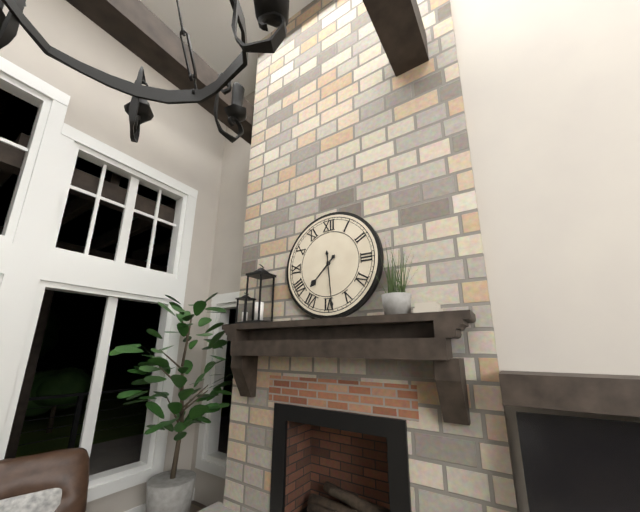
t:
7:29
